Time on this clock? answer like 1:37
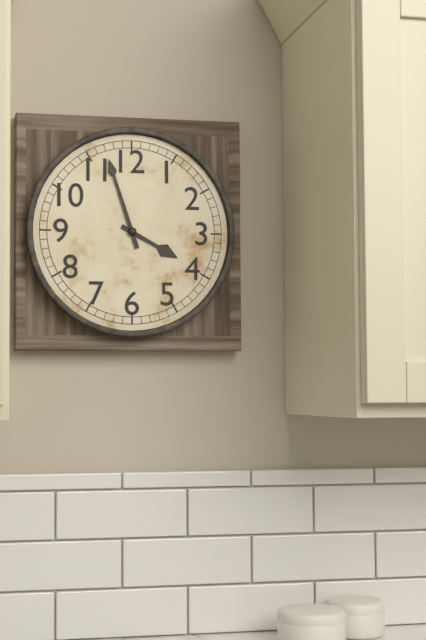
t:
3:57
